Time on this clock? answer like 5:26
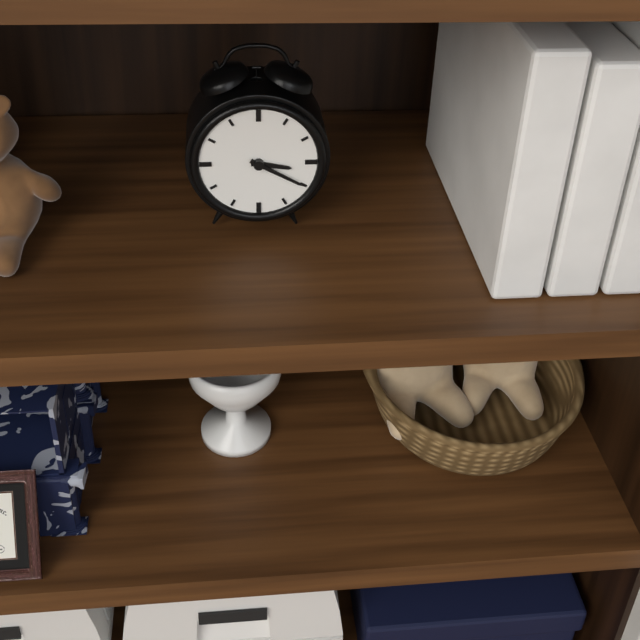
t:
3:20
